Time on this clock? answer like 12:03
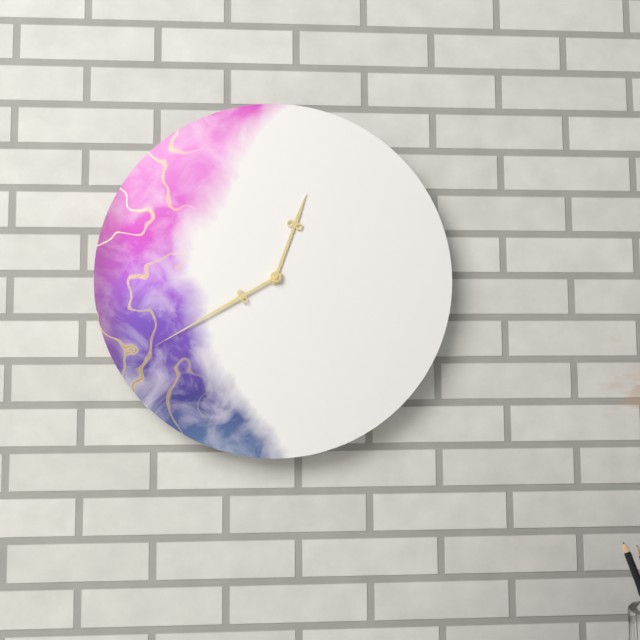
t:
12:40
